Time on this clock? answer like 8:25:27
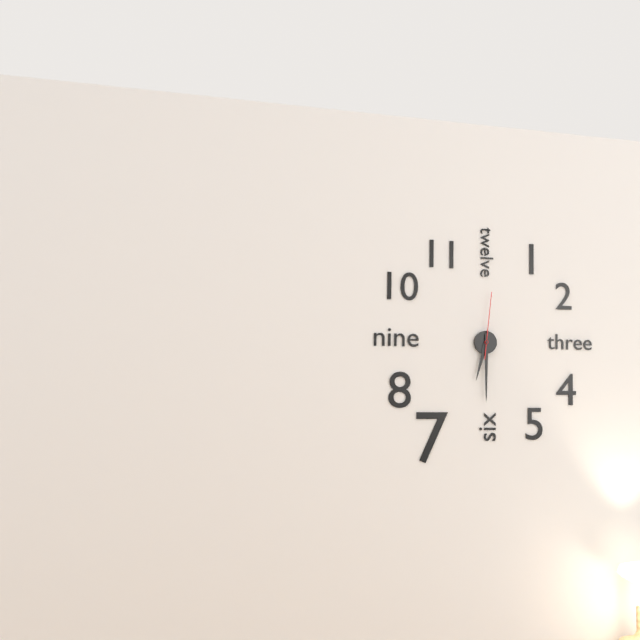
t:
6:30:01
